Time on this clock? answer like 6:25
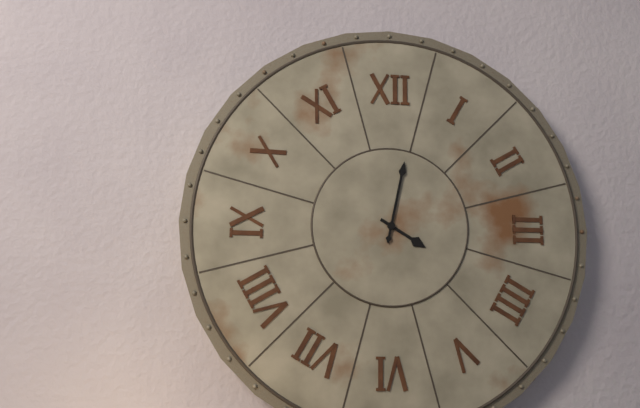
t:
4:02
